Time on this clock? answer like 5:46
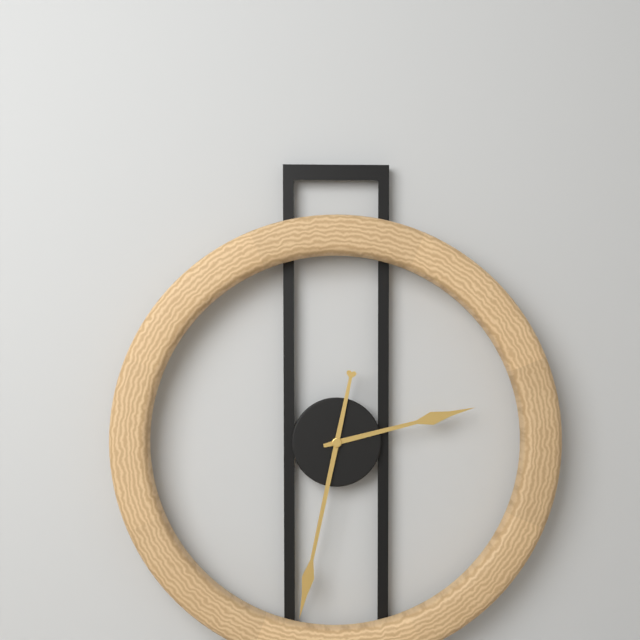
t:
2:32
